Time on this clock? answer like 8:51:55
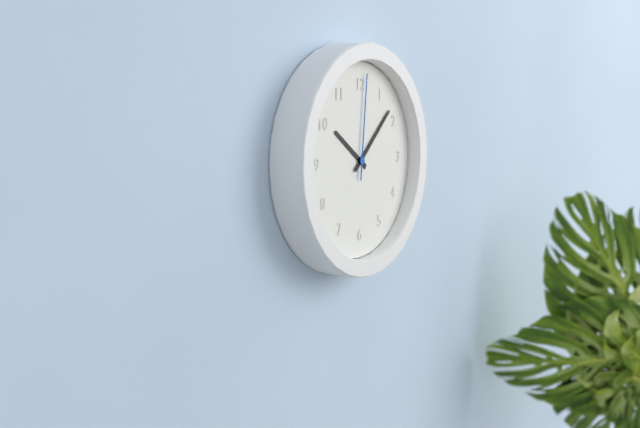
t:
10:08:01
